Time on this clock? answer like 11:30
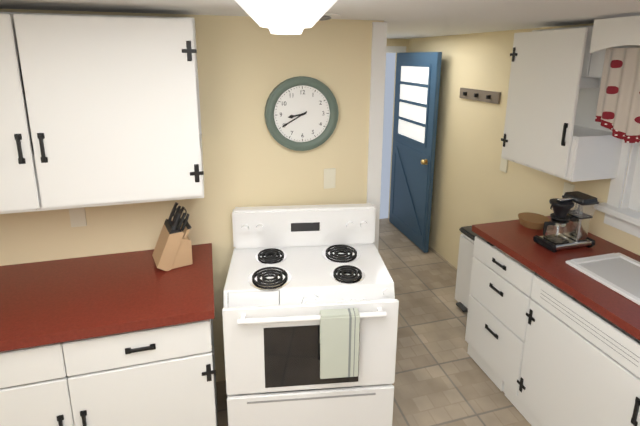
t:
8:40
